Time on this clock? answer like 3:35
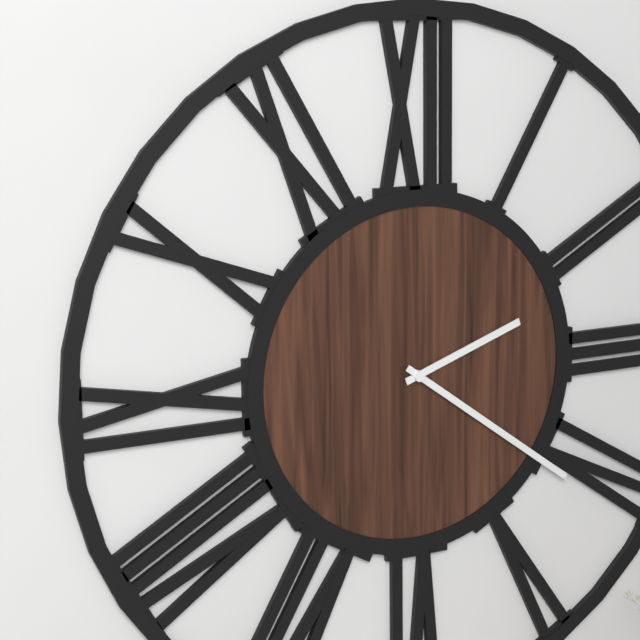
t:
2:21
